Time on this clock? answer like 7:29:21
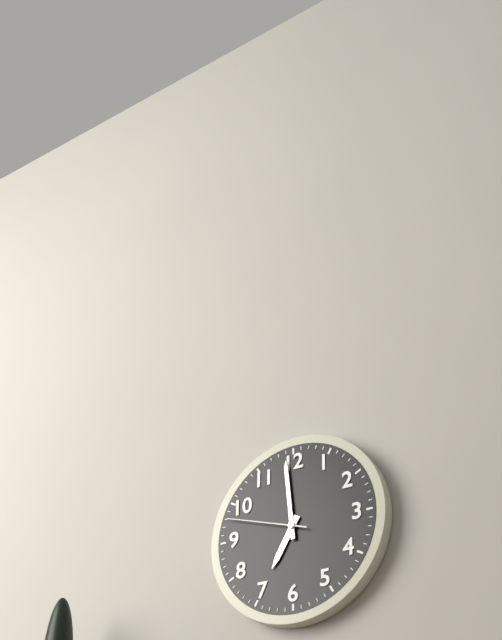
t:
6:59:48
